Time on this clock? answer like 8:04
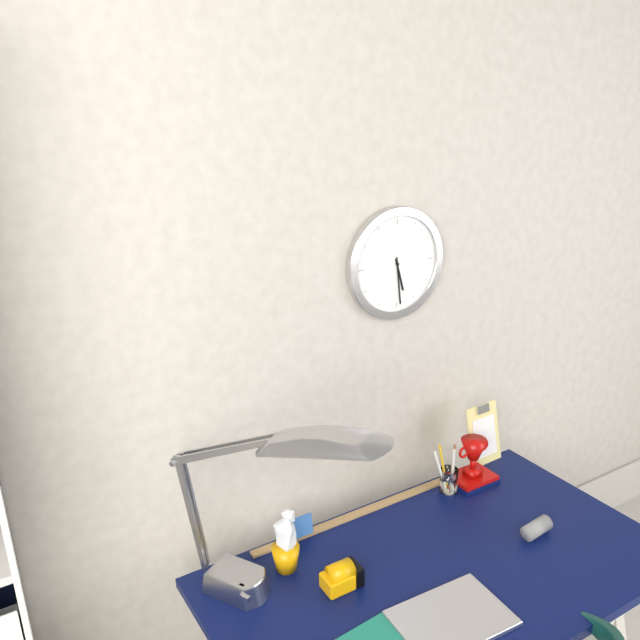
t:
5:29
